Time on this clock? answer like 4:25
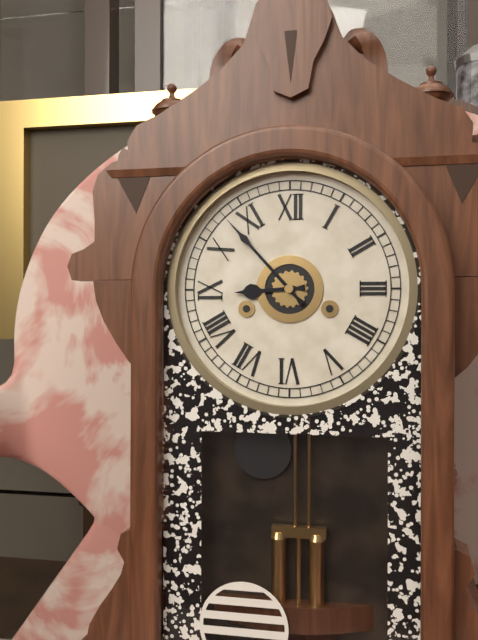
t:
8:53
